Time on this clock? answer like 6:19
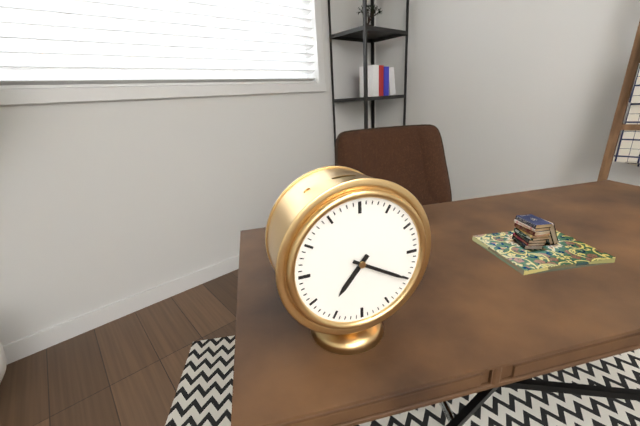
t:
7:20
